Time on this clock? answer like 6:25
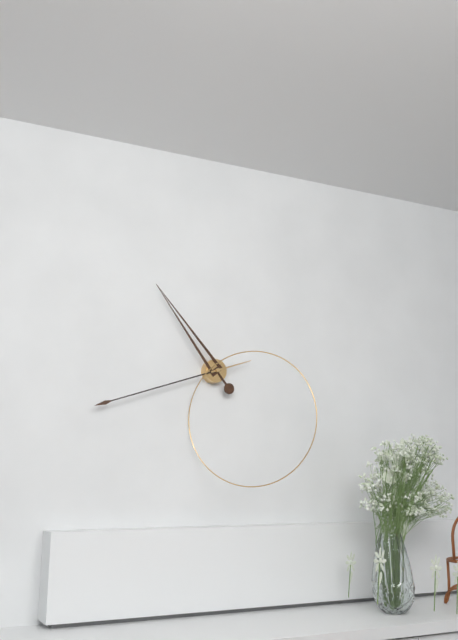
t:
10:42
